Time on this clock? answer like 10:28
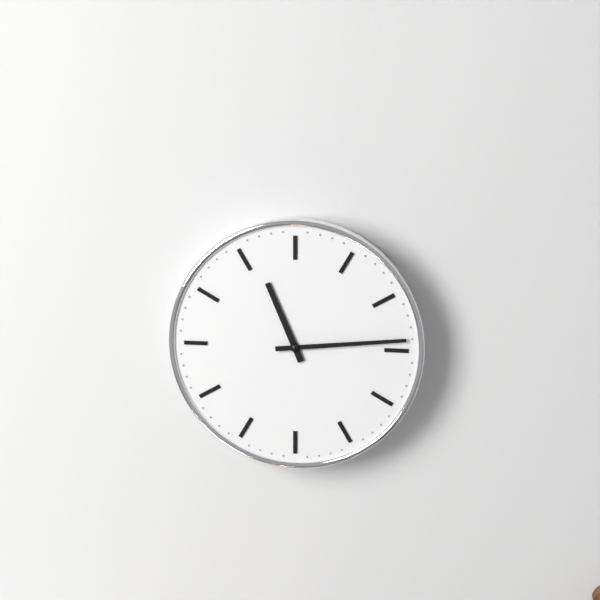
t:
11:14
